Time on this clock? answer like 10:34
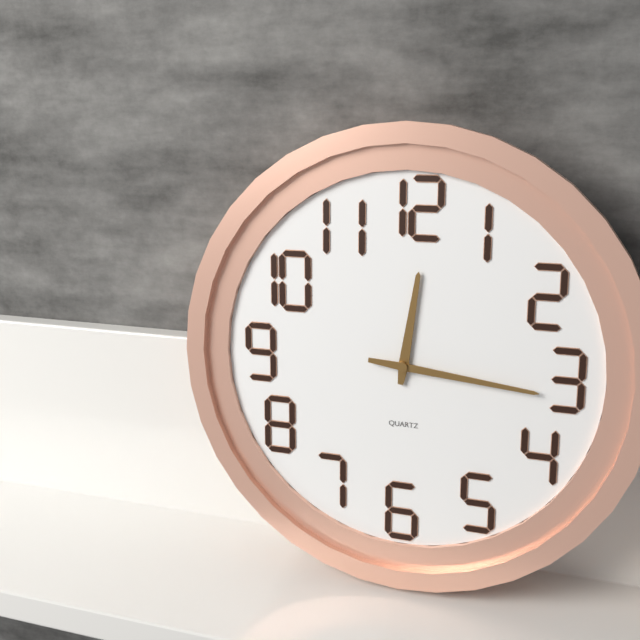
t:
12:16
